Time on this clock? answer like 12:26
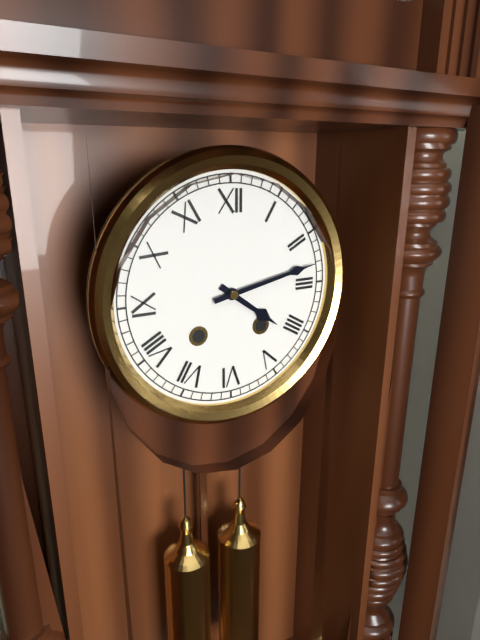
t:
4:13
